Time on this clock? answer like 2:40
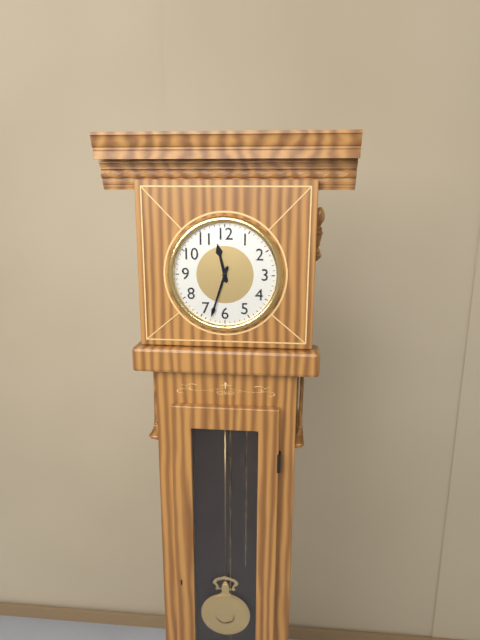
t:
11:33
